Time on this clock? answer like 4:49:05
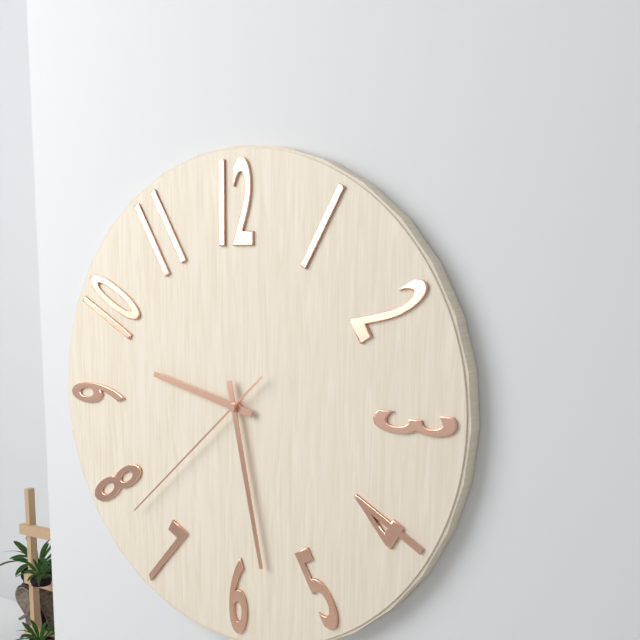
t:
9:28:38
